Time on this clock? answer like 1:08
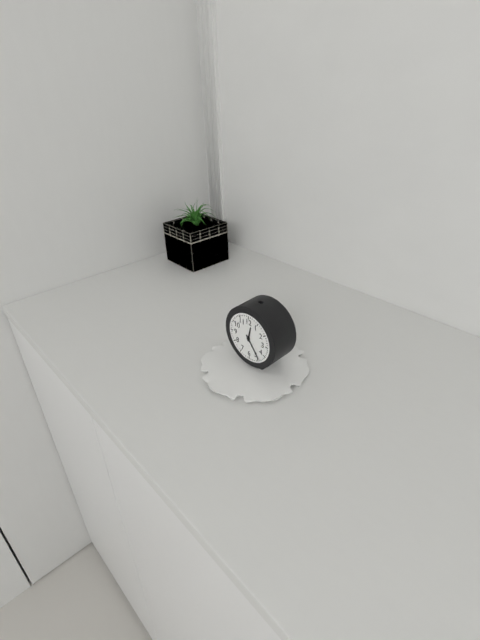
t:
12:24
